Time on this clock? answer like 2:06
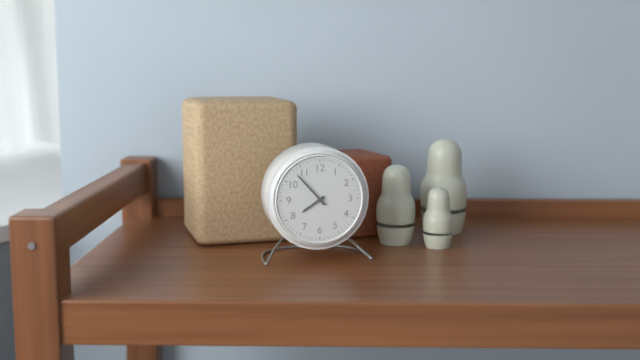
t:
7:53
